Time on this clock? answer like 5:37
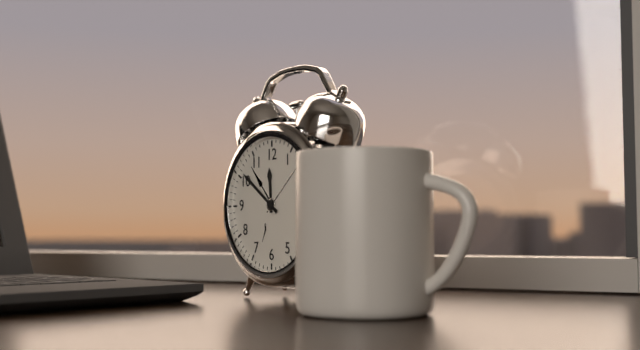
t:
11:51
